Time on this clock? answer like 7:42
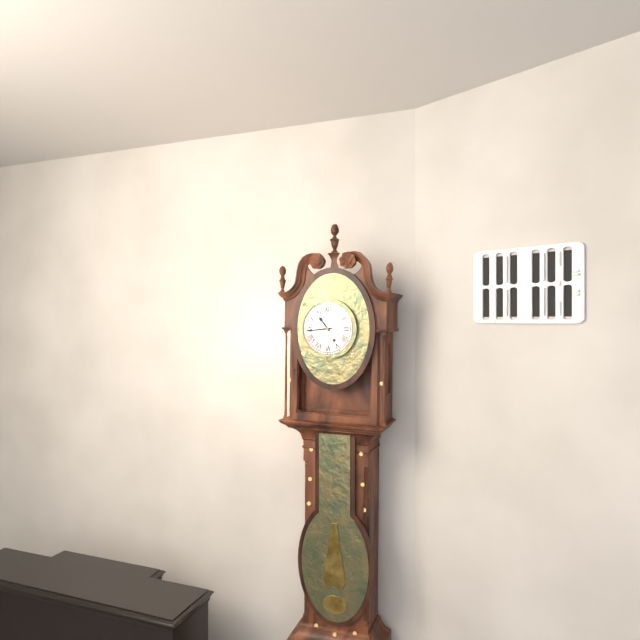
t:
10:44
